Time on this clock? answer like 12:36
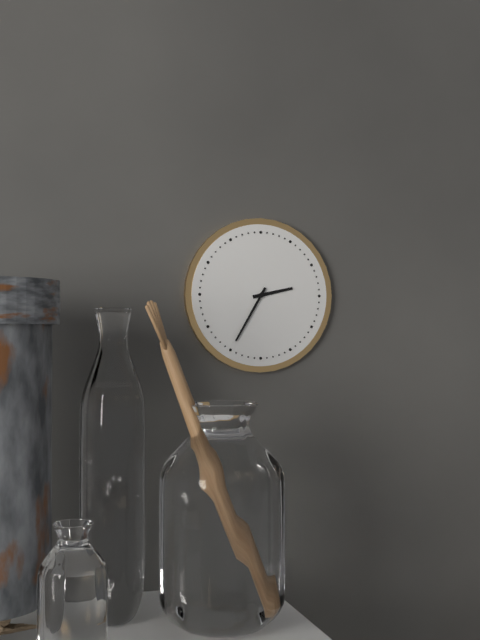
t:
2:35
